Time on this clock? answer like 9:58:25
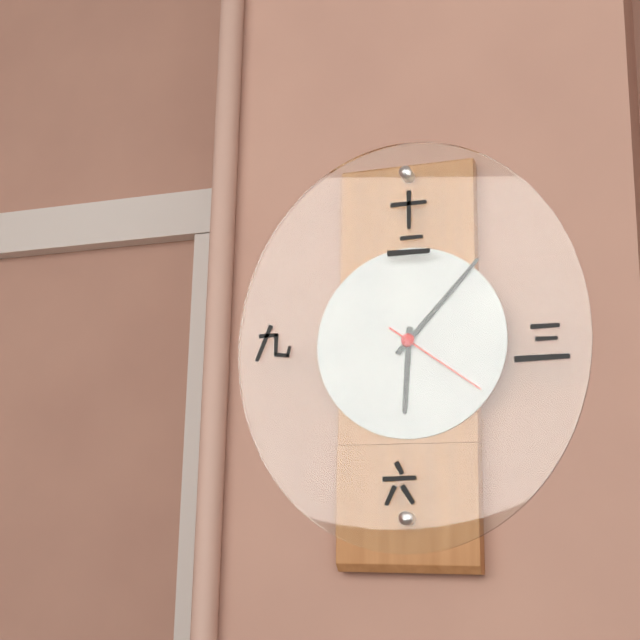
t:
6:07:21
